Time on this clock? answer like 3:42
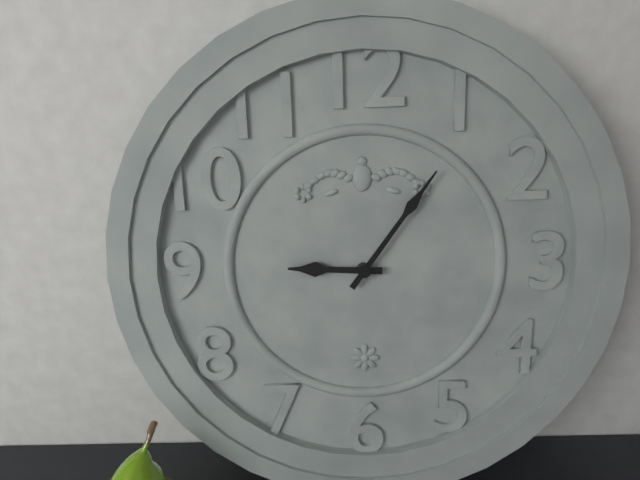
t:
9:06
